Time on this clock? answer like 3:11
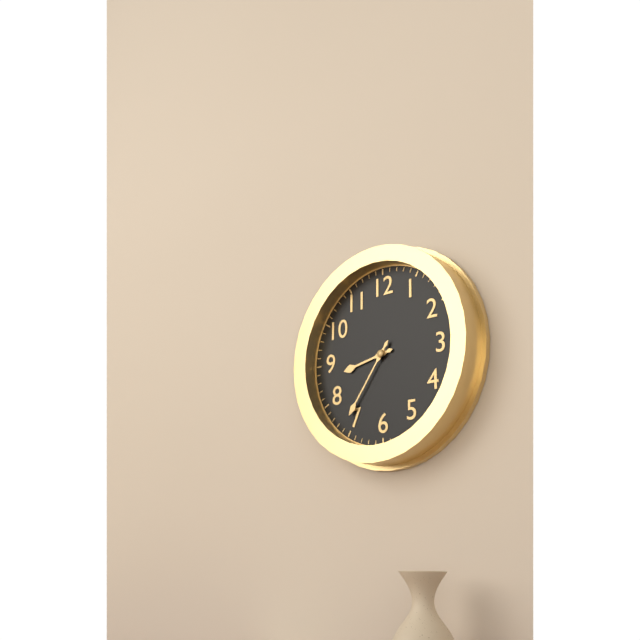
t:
8:36
